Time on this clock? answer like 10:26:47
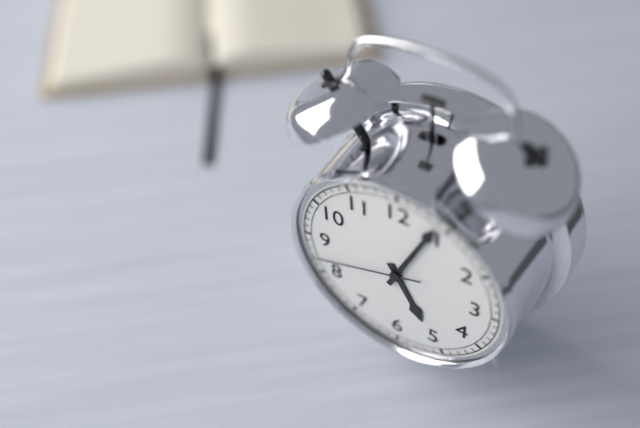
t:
5:04:42
